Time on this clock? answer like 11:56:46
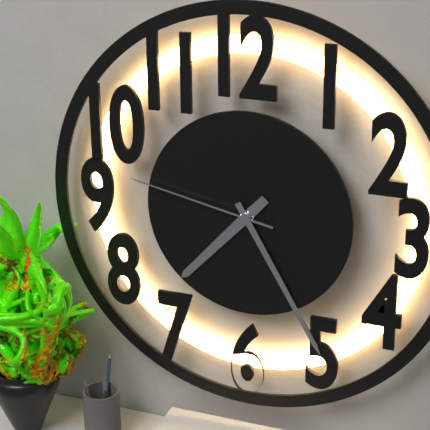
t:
7:25:47
